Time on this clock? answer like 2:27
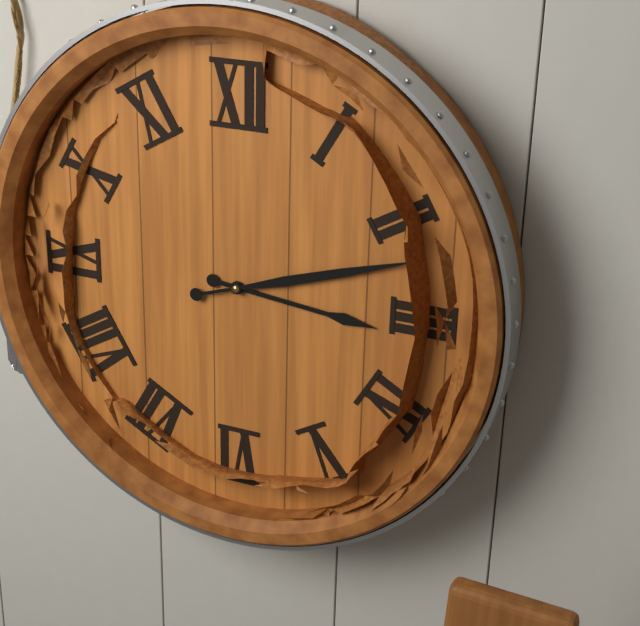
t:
3:12
